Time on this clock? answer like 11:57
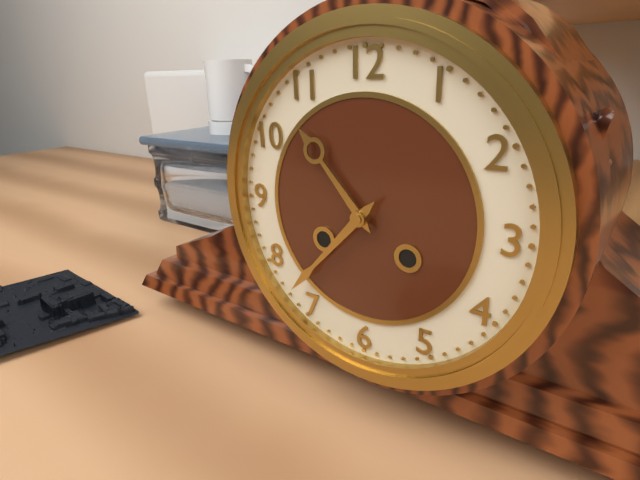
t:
10:37
